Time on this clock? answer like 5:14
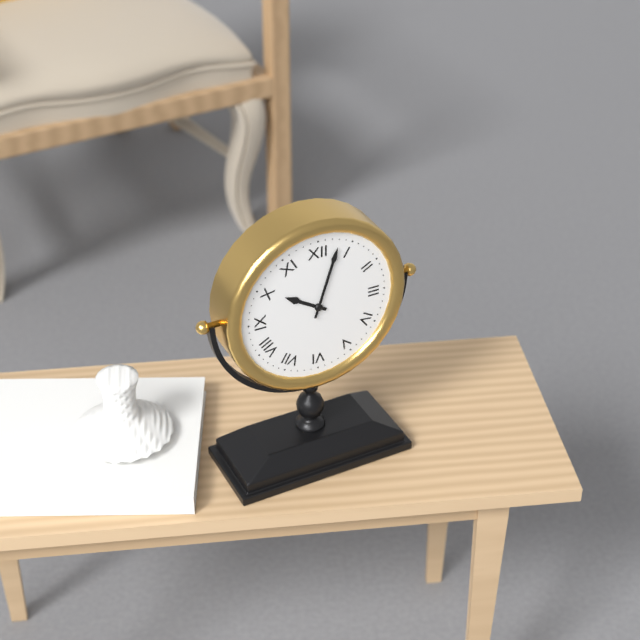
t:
10:03
